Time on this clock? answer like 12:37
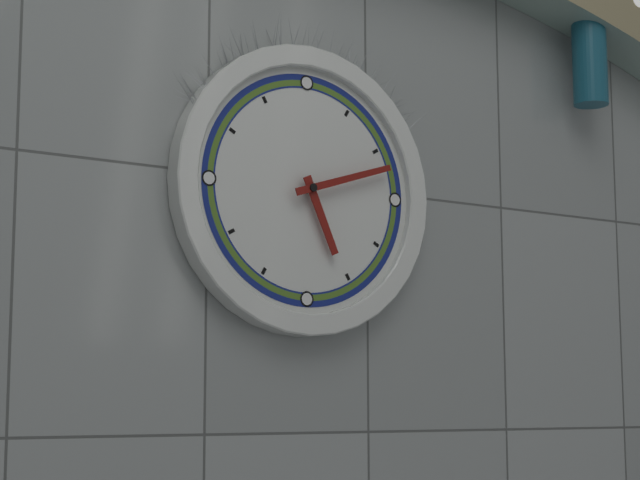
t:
5:12
